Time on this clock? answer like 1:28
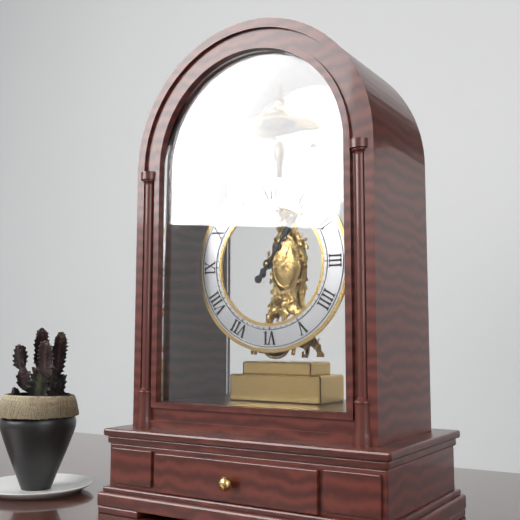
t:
1:06
